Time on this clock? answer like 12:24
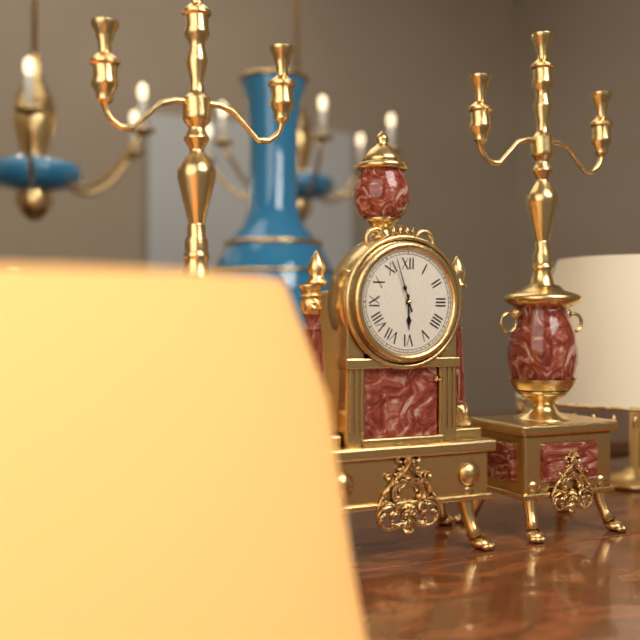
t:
5:57
